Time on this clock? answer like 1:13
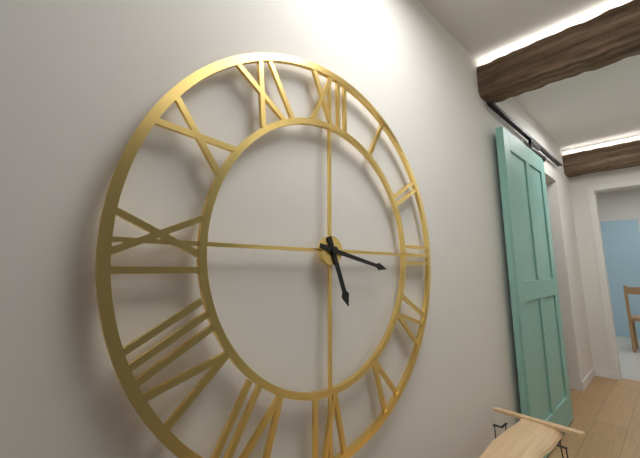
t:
5:17
